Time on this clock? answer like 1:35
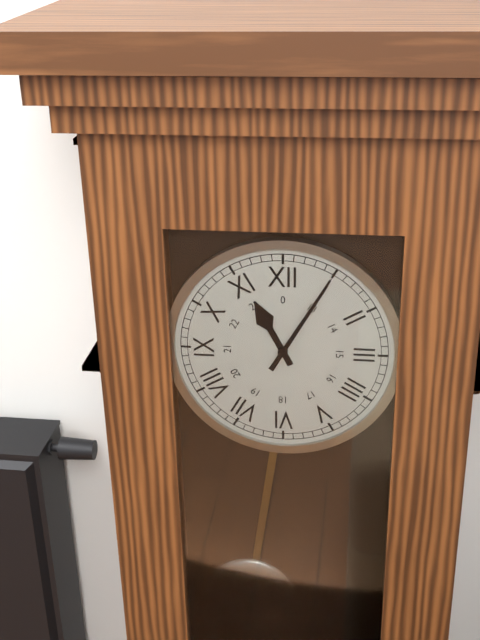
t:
11:05
